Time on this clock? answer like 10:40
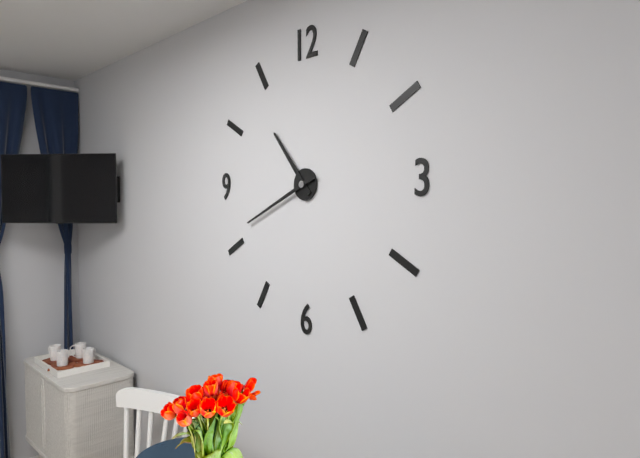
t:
10:41
